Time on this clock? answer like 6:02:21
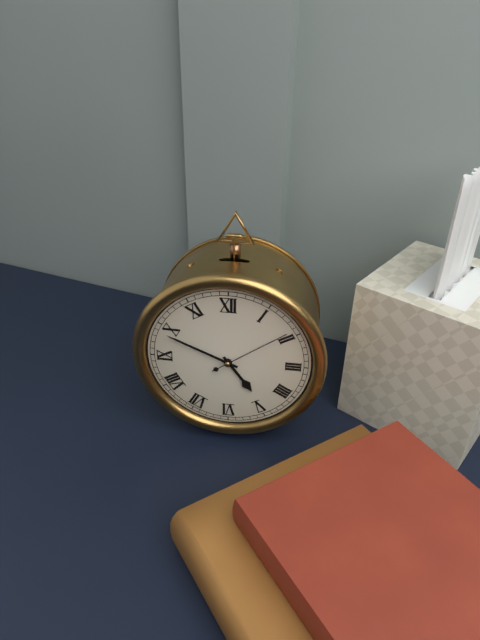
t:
4:49:09
